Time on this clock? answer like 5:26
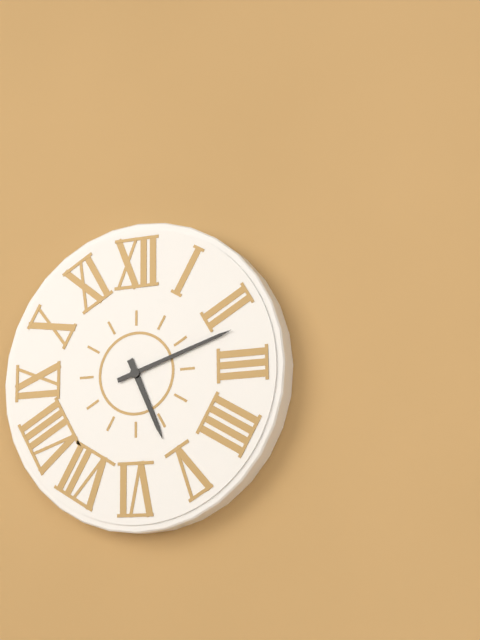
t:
5:12
